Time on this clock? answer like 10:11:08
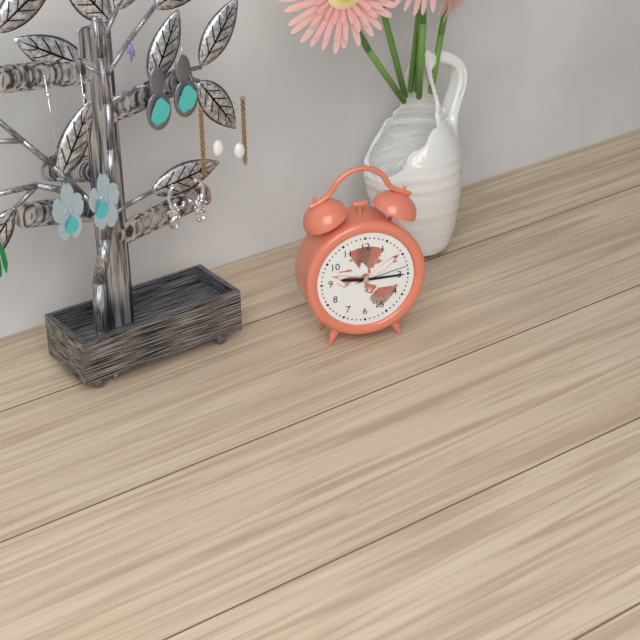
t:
9:15:13
